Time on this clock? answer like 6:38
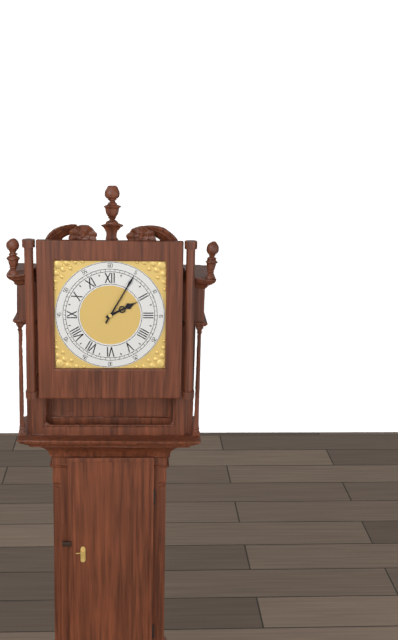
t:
2:05
